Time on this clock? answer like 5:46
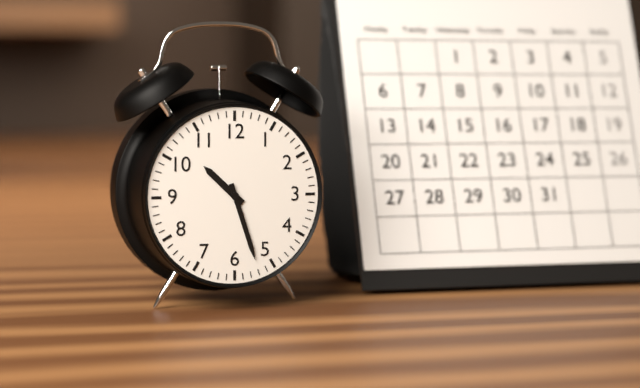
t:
10:27
